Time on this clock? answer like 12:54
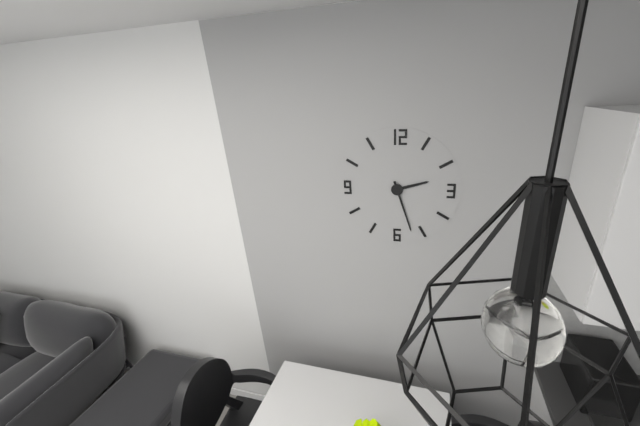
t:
2:27
